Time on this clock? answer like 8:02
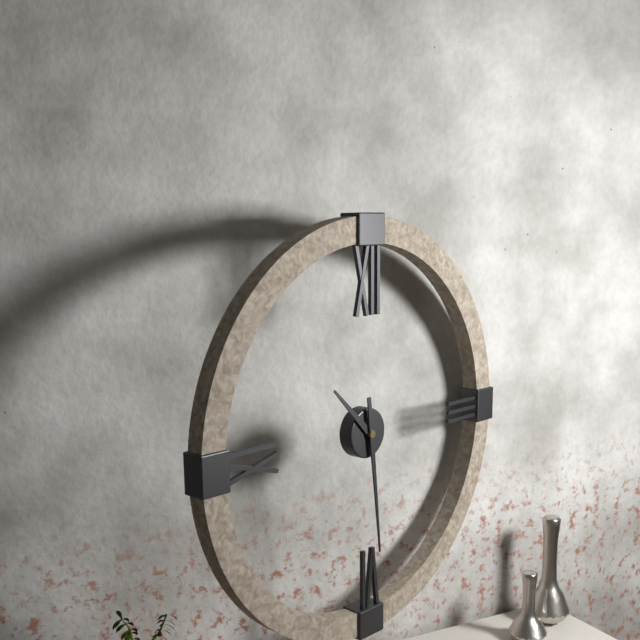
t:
10:29
